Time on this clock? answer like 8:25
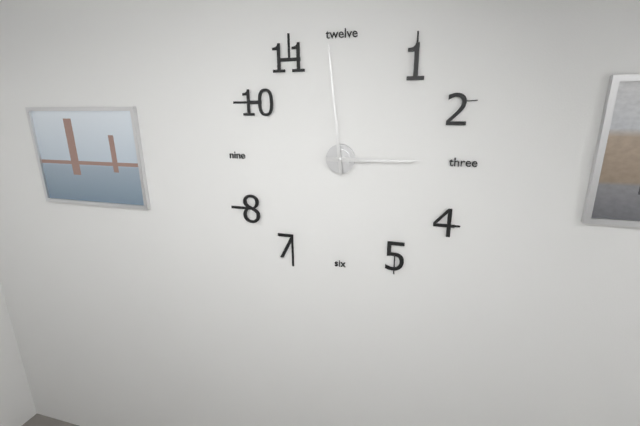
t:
2:59
